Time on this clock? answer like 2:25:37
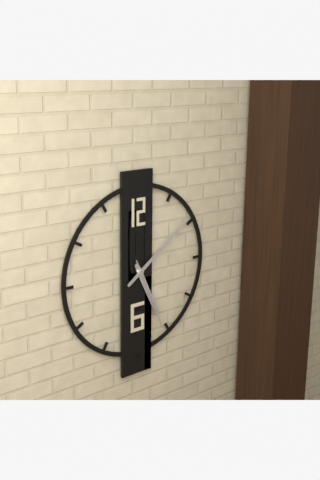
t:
5:09:26
